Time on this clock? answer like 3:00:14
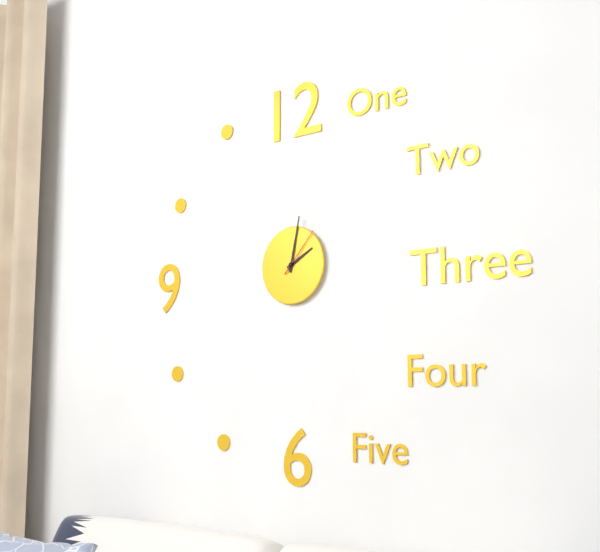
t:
2:02:07
